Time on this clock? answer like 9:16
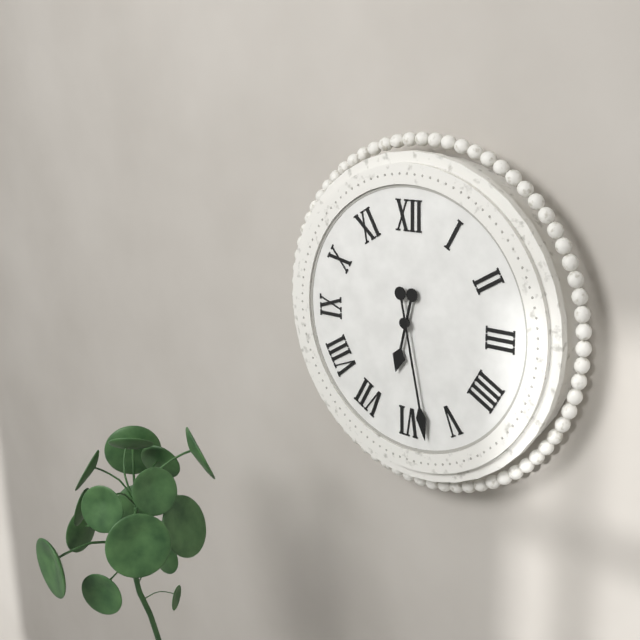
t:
6:28
